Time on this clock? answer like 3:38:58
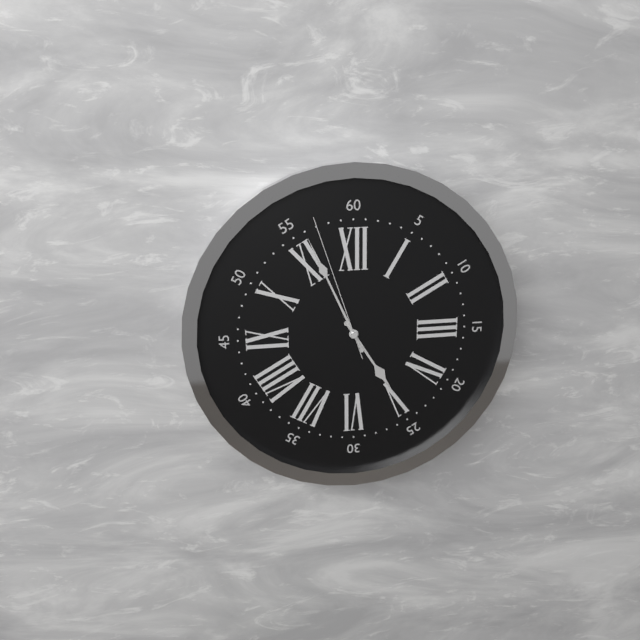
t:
4:56:57
